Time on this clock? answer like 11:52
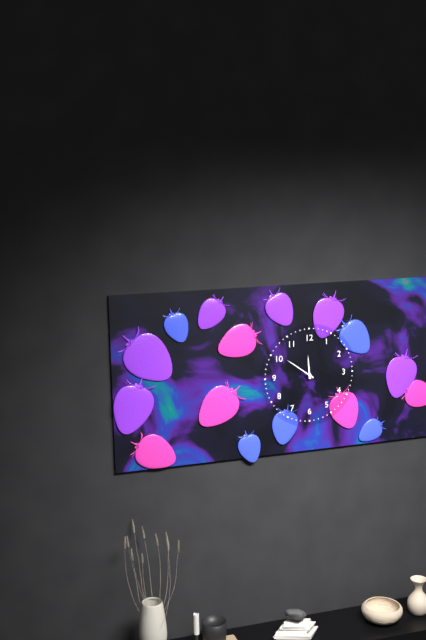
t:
11:51
